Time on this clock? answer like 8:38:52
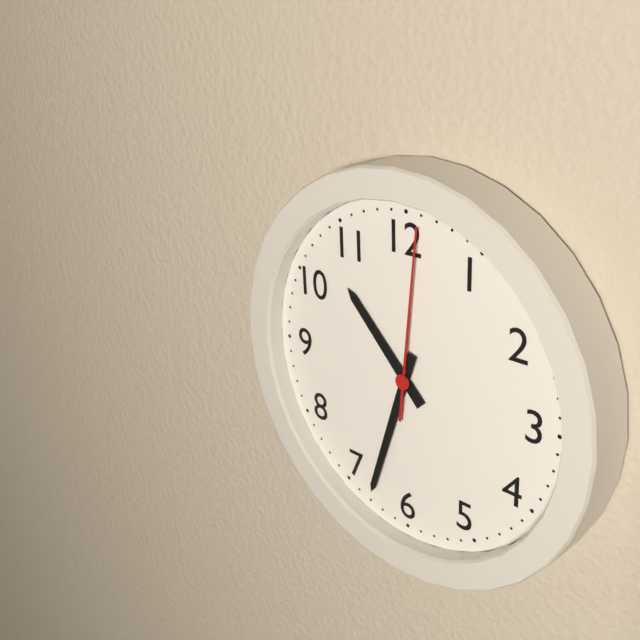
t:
10:33:01
